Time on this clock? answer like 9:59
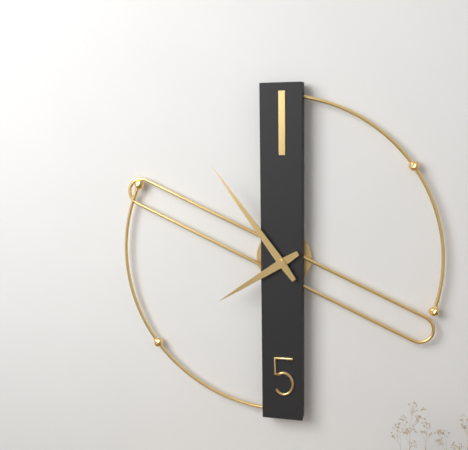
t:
7:54
